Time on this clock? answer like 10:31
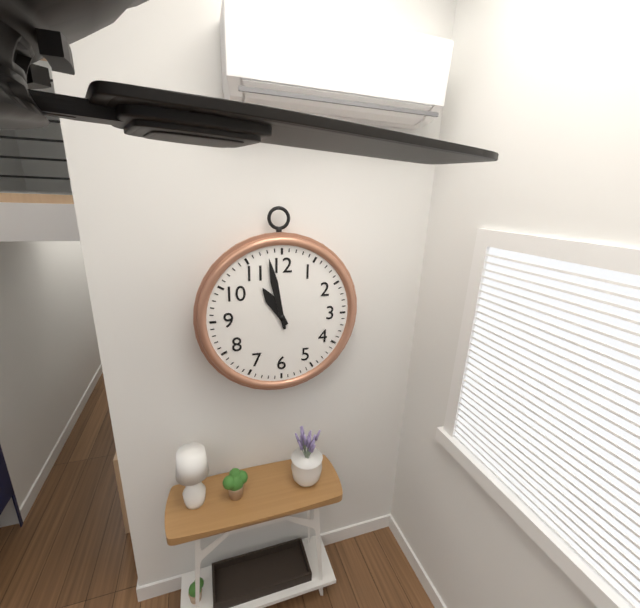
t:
10:58
